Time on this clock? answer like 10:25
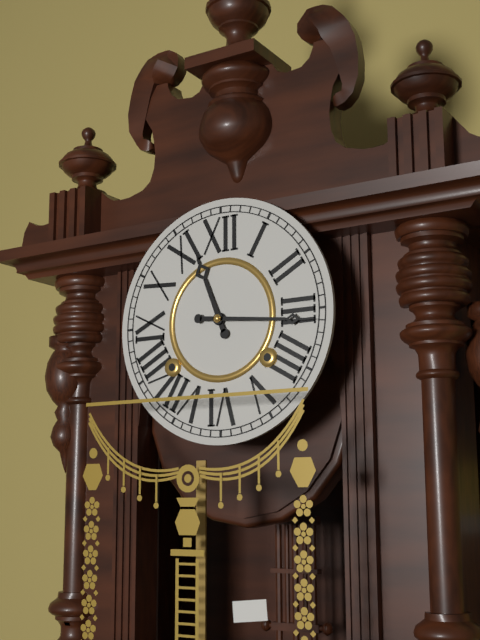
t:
11:16
